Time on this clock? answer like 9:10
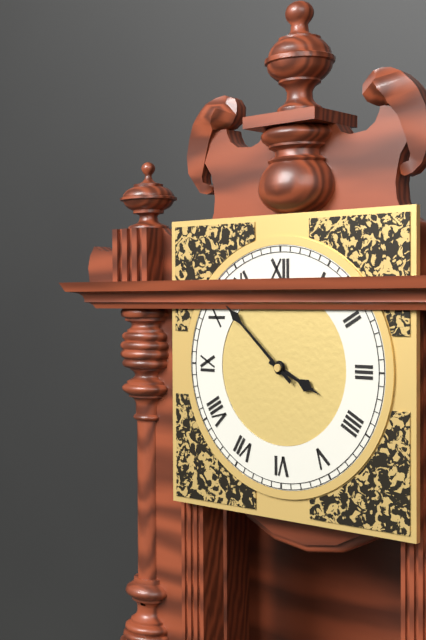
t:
3:52
